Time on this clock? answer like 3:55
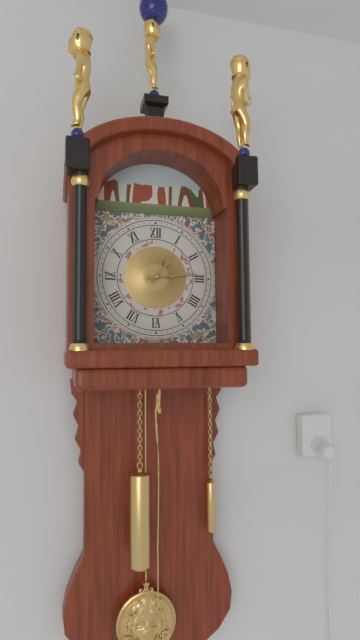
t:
1:14
